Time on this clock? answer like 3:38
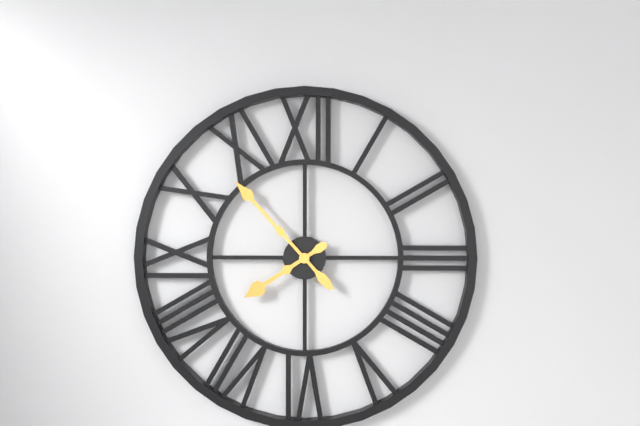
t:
7:53
